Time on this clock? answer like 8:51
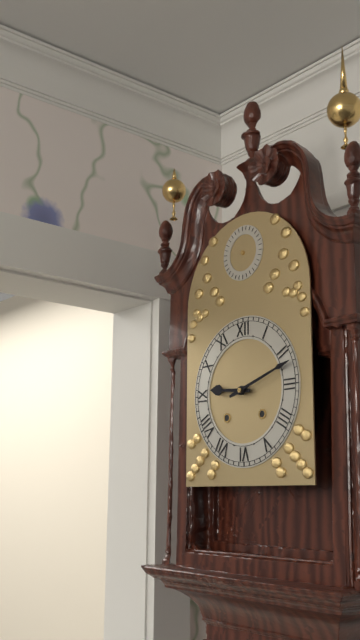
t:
9:12
